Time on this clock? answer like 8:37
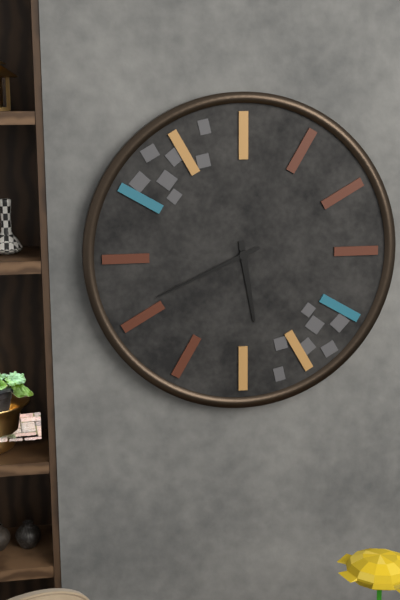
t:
5:41
